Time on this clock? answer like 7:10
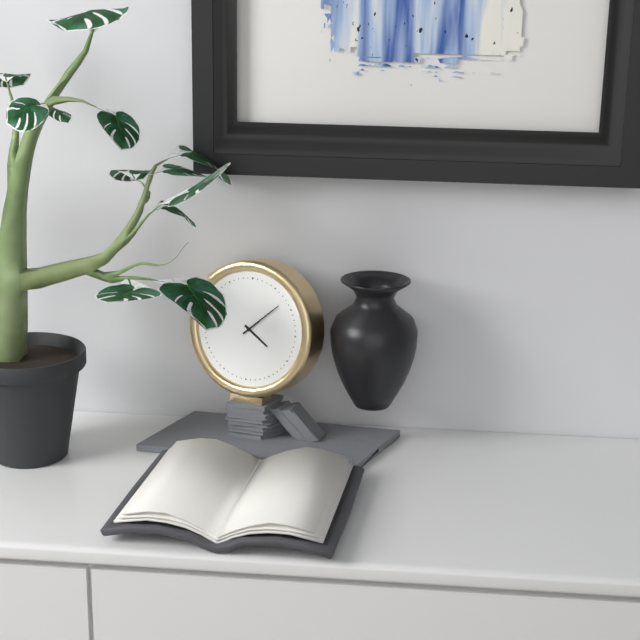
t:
4:08
